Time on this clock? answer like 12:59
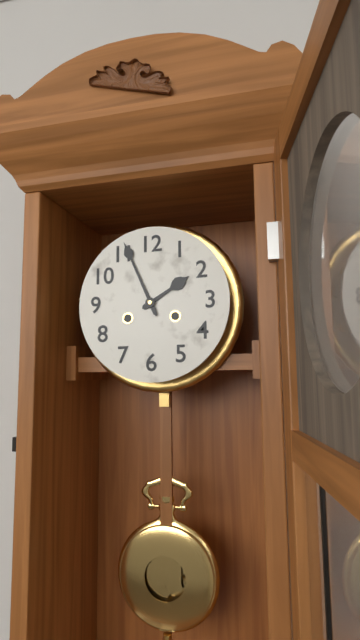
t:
1:56
